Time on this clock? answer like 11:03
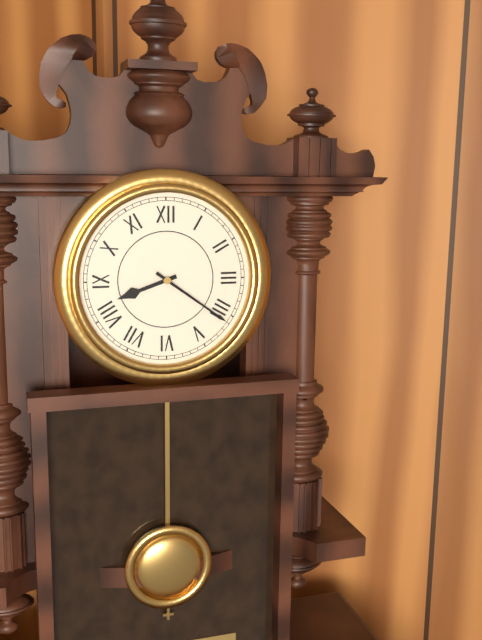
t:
8:21
